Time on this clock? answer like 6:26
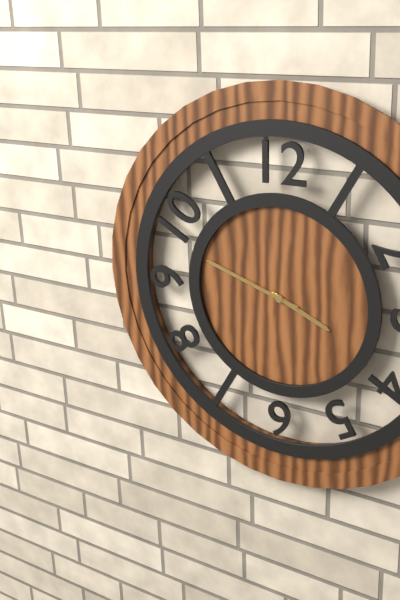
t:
3:48
